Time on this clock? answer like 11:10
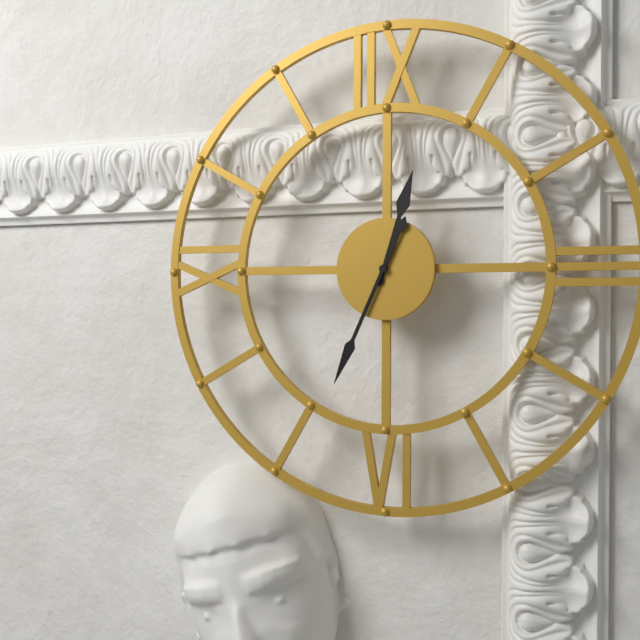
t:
12:34
